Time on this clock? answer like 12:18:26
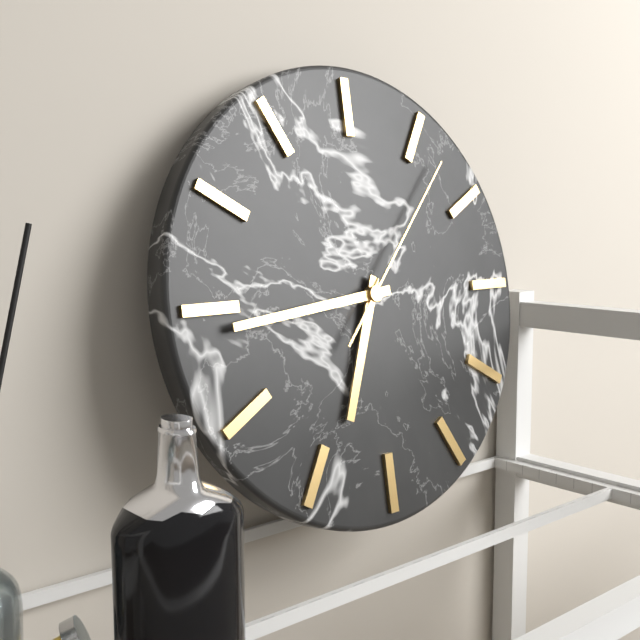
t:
6:44:07
